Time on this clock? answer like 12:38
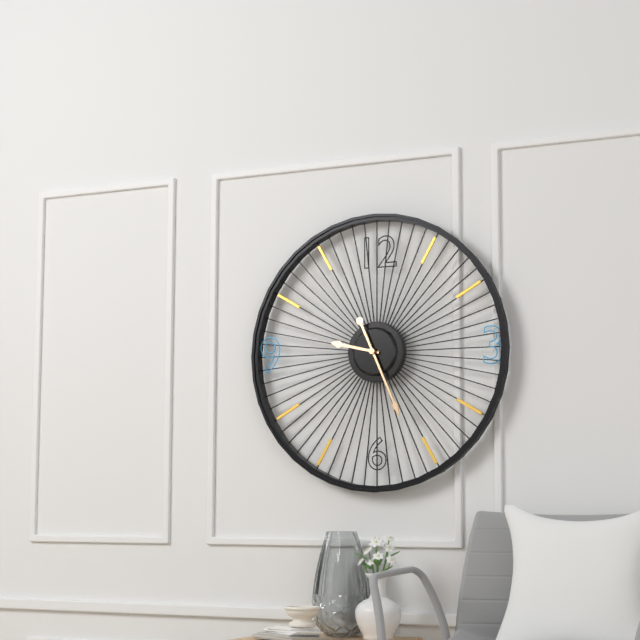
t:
9:26
